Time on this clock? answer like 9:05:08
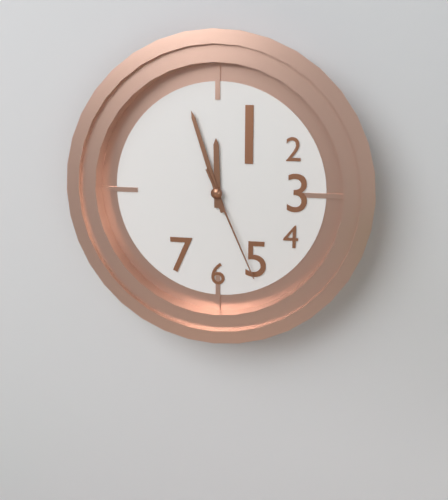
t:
11:57:26
